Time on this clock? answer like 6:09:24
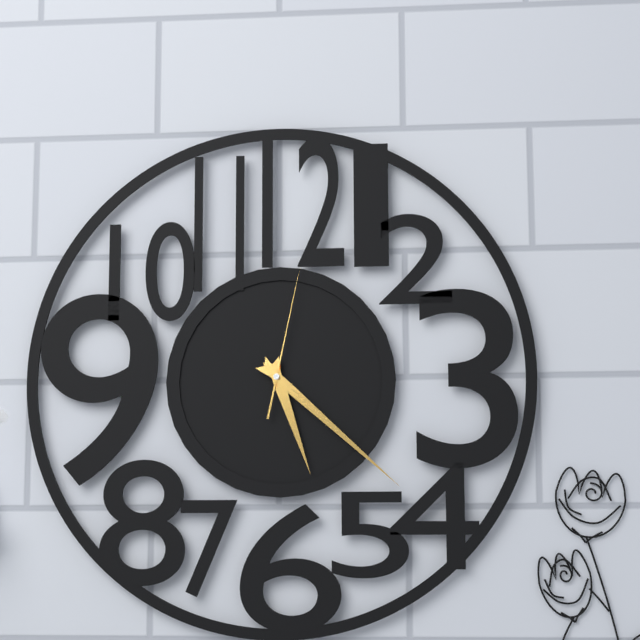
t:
5:22:02
